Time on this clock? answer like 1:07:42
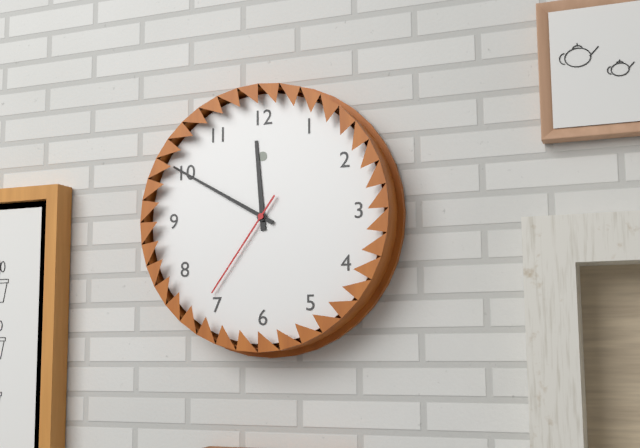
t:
11:50:36
